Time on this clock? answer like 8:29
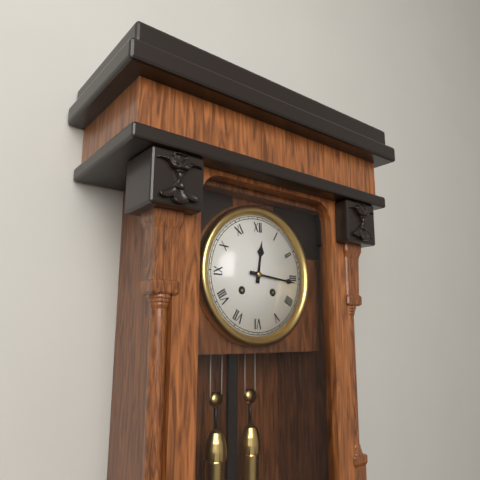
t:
12:16
